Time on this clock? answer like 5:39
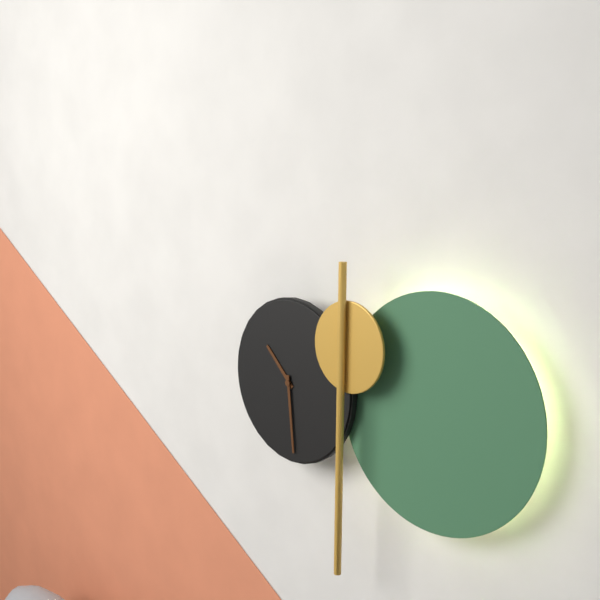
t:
10:29
